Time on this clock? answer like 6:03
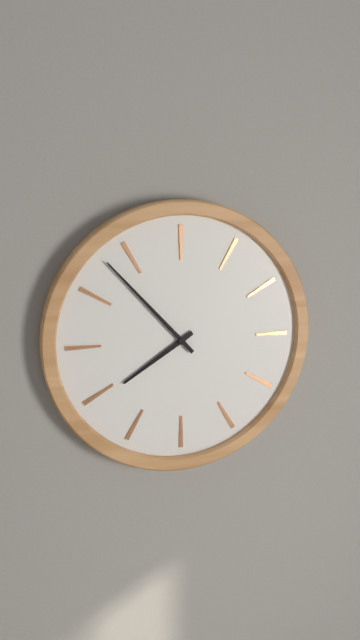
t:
7:53
